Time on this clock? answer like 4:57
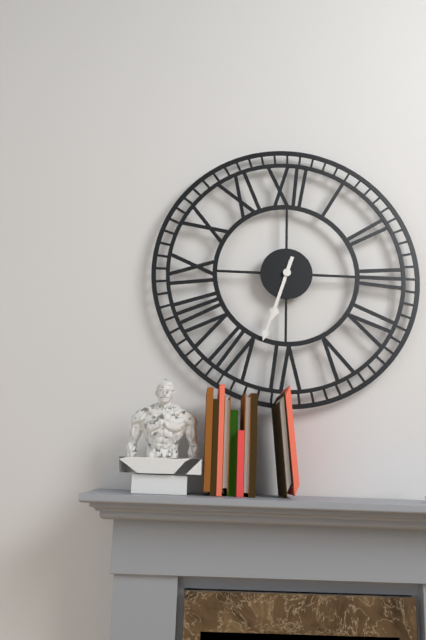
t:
6:33
